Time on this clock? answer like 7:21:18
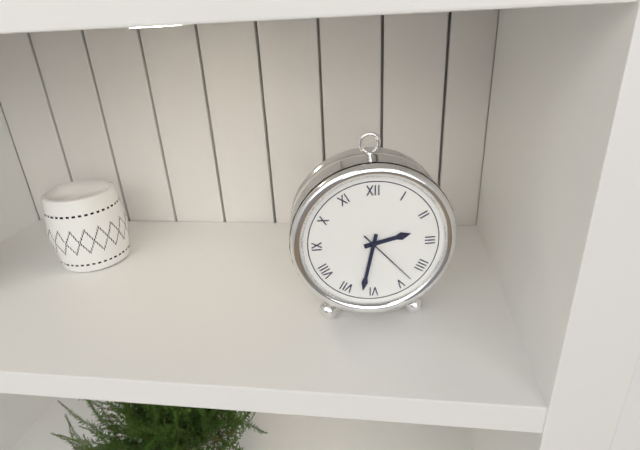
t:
2:32:23
